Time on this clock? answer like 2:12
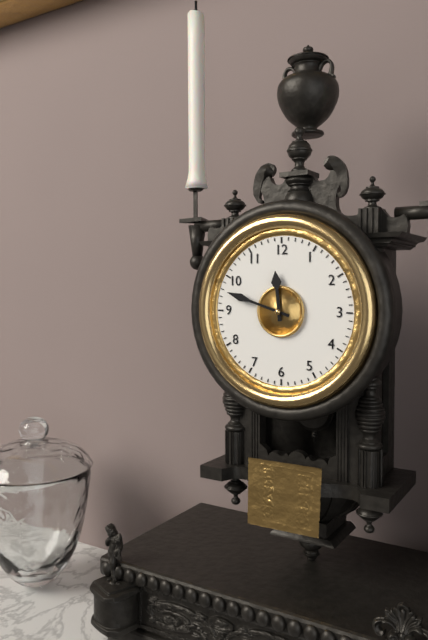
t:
11:48
